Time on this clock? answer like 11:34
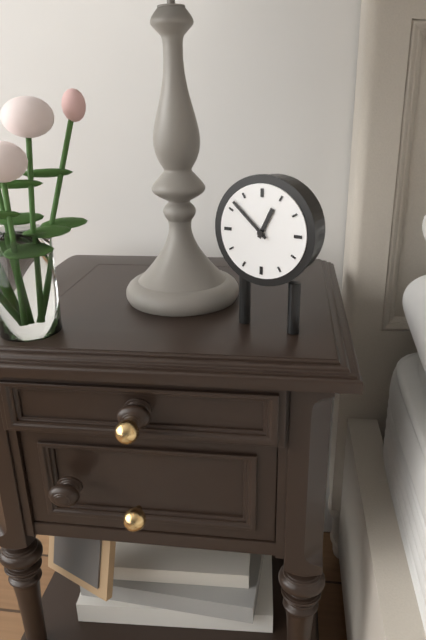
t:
12:52
